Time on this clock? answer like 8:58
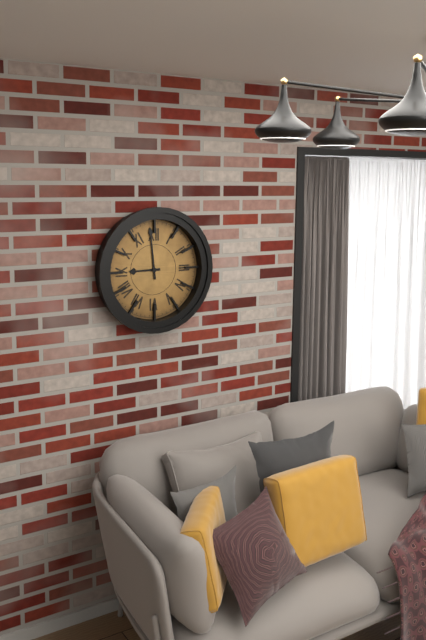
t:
8:59
